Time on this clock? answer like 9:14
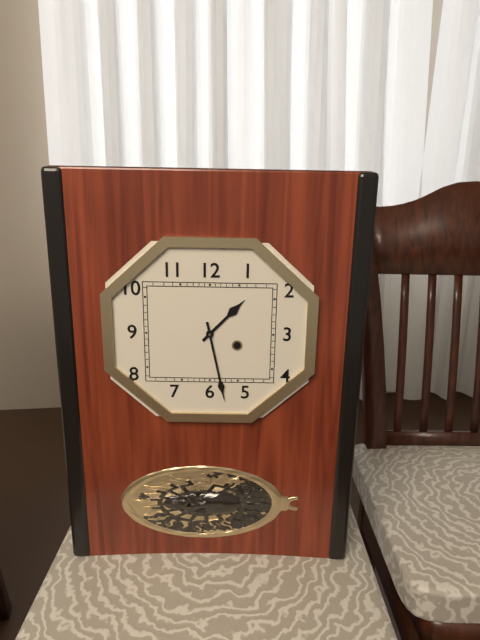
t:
1:28
